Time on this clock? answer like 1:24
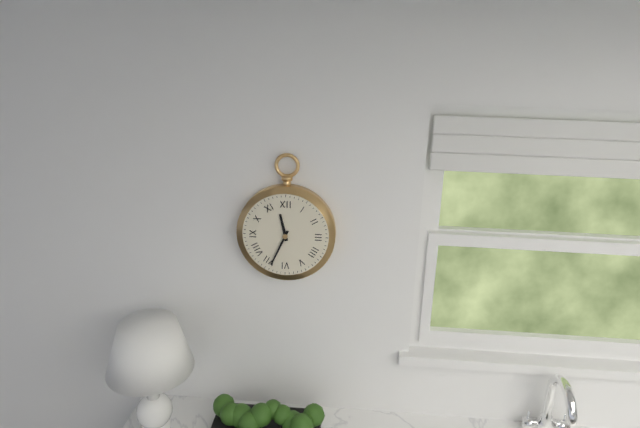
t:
11:34
